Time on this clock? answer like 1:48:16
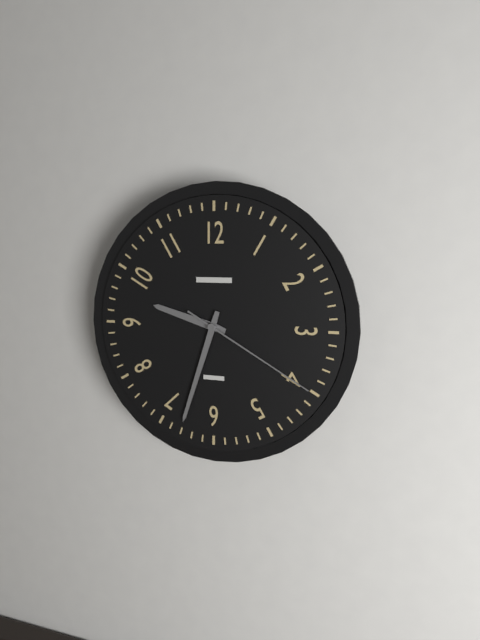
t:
9:33:20
